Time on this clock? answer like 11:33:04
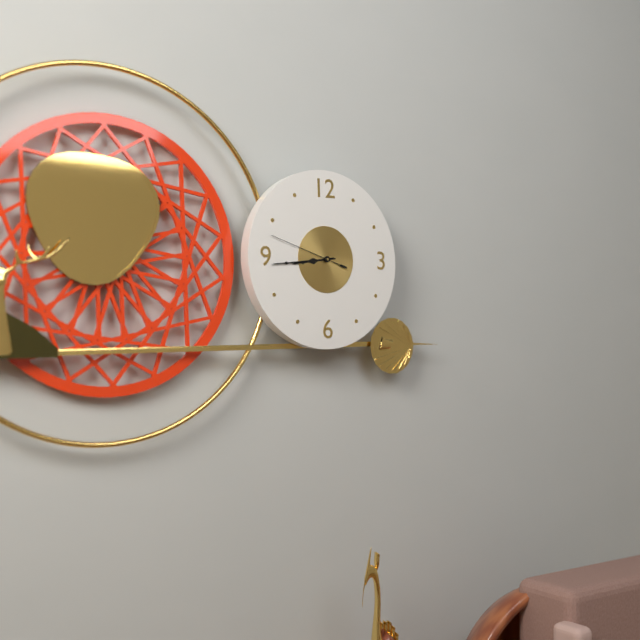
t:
8:44:48
